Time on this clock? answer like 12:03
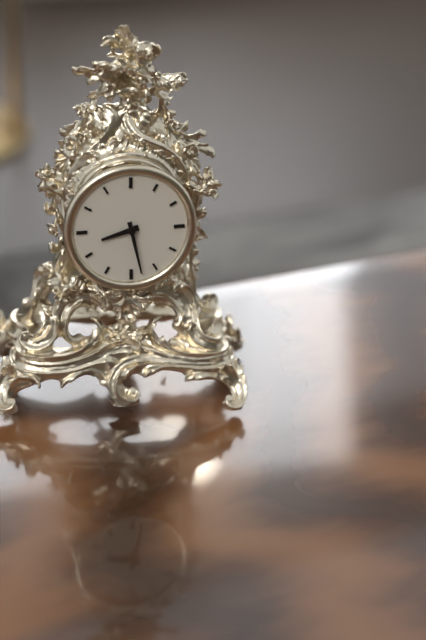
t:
8:28
